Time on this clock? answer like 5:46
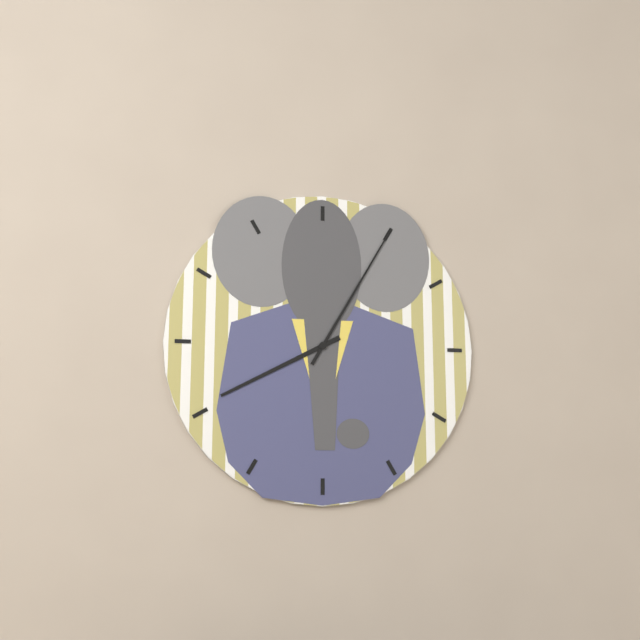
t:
8:05
